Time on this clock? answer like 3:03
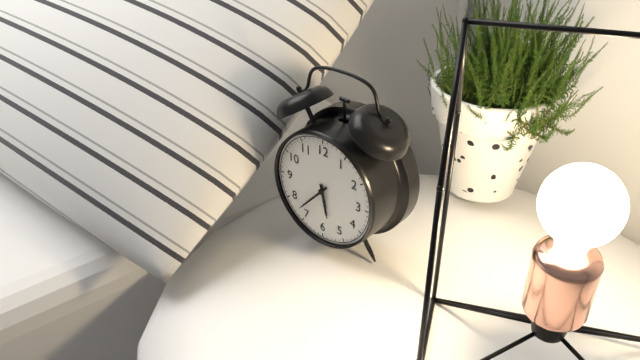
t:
5:37
